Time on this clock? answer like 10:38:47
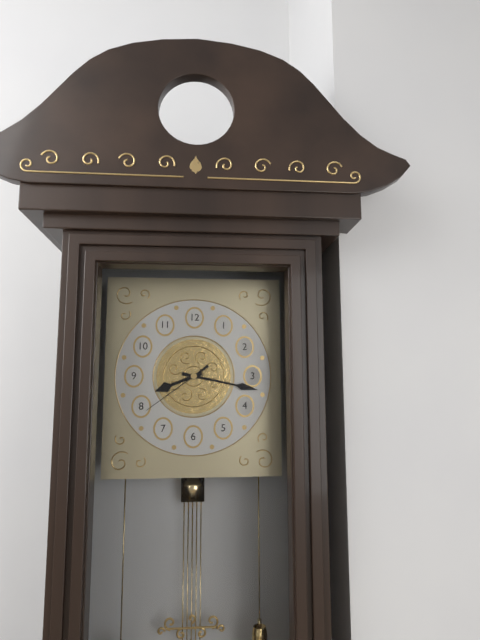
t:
8:17:39
